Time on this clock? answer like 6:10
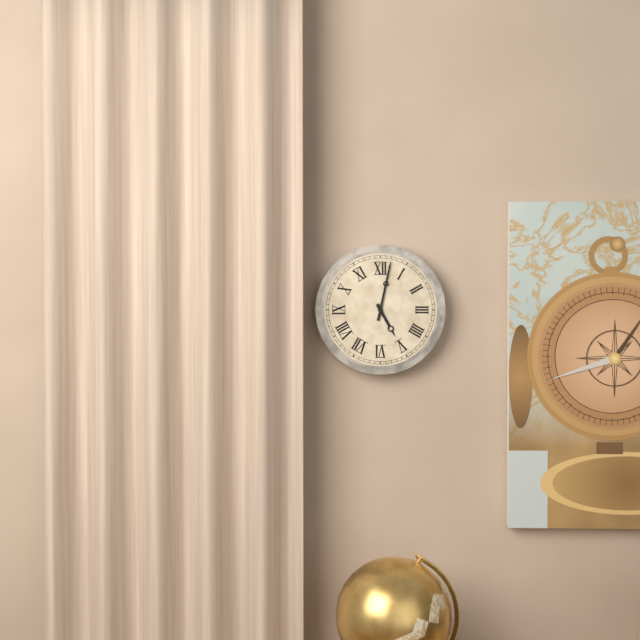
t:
5:02
